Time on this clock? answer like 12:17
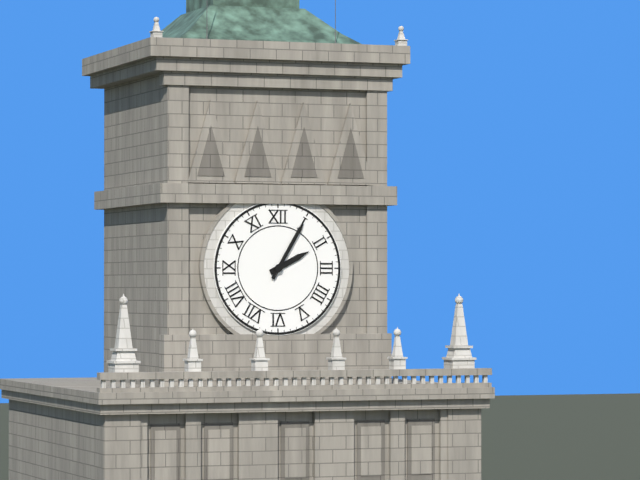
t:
2:05
